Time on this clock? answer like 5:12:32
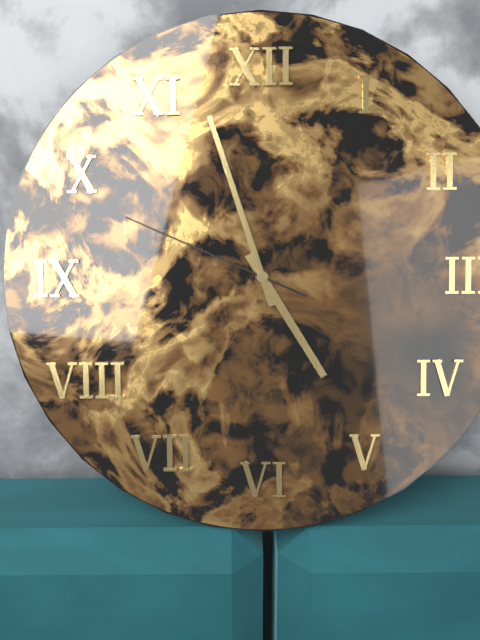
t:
4:57:49
